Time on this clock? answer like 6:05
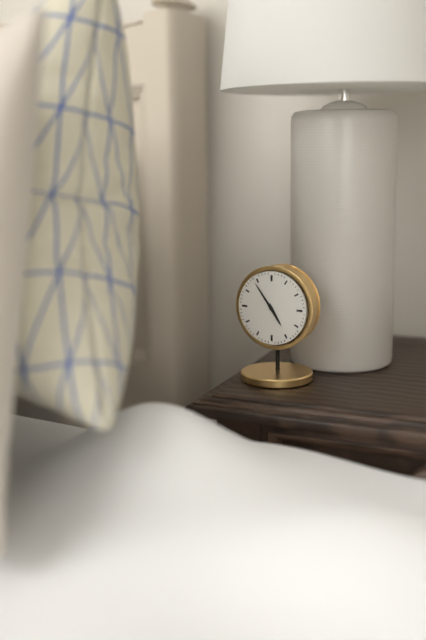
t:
4:54
